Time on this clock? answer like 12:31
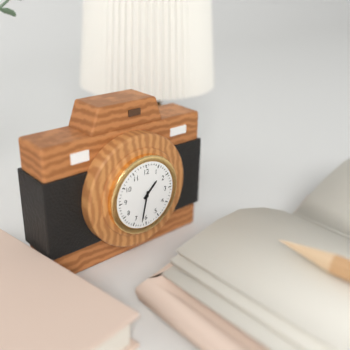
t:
1:32
